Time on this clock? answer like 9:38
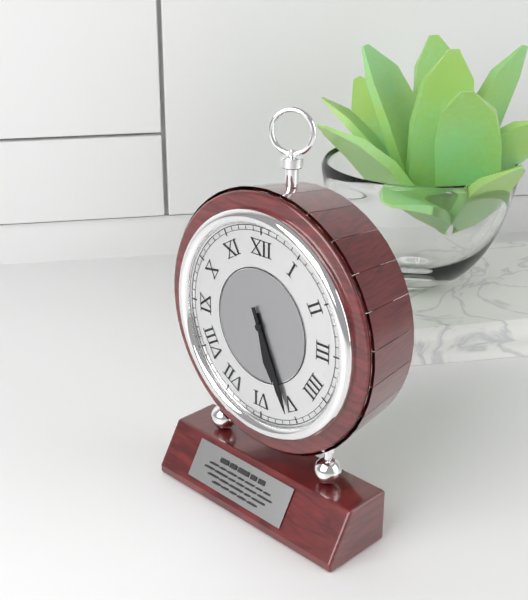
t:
5:26
